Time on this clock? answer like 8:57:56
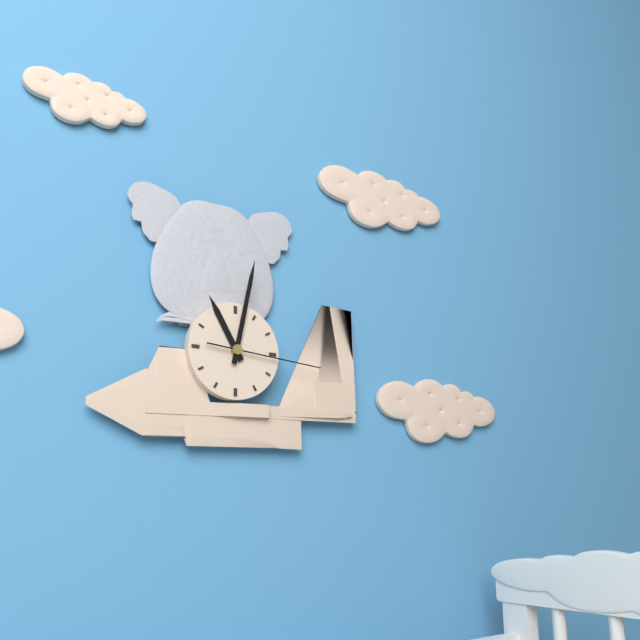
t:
11:02:16
